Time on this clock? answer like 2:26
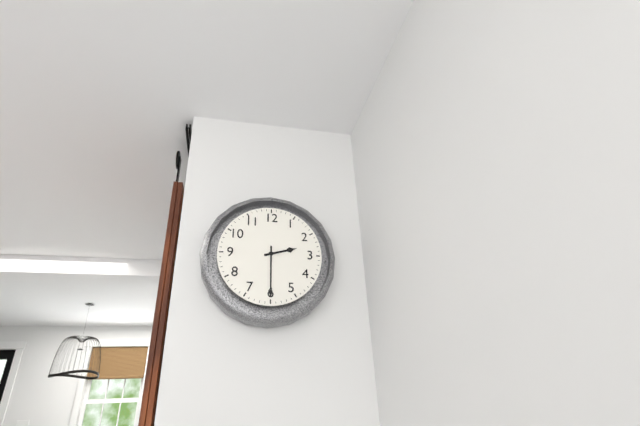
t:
2:30
